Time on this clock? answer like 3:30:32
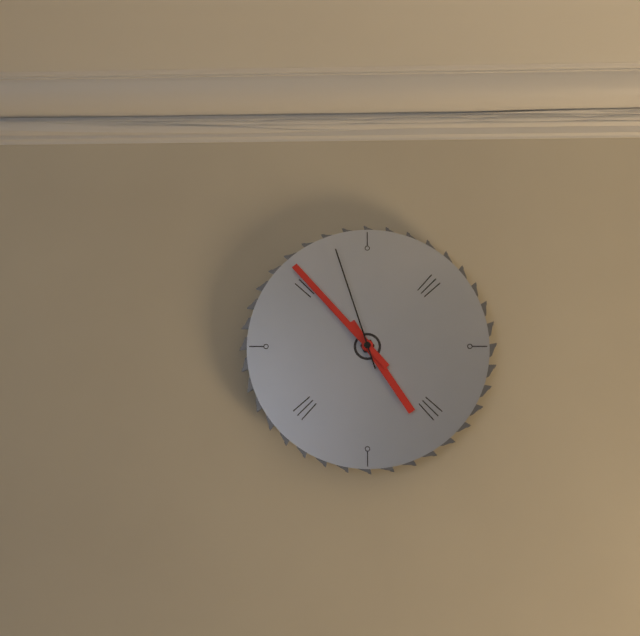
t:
4:53:57
